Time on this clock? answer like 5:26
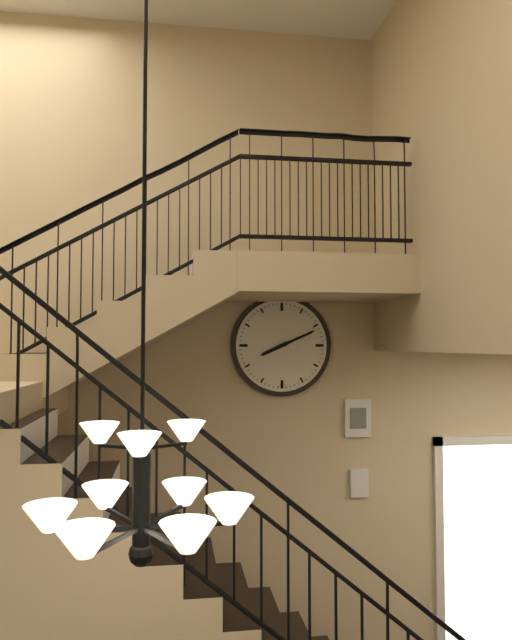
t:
8:11
